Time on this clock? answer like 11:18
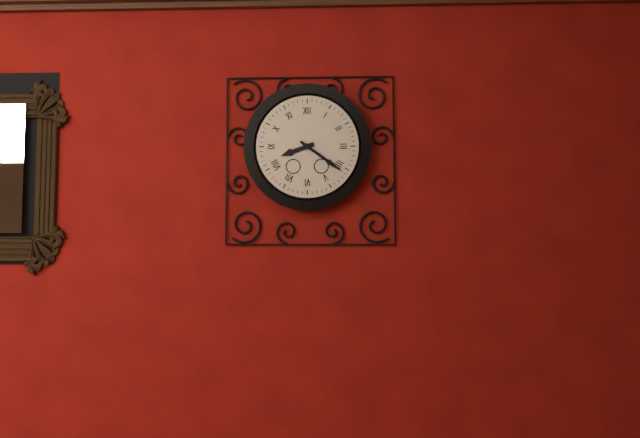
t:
8:21
